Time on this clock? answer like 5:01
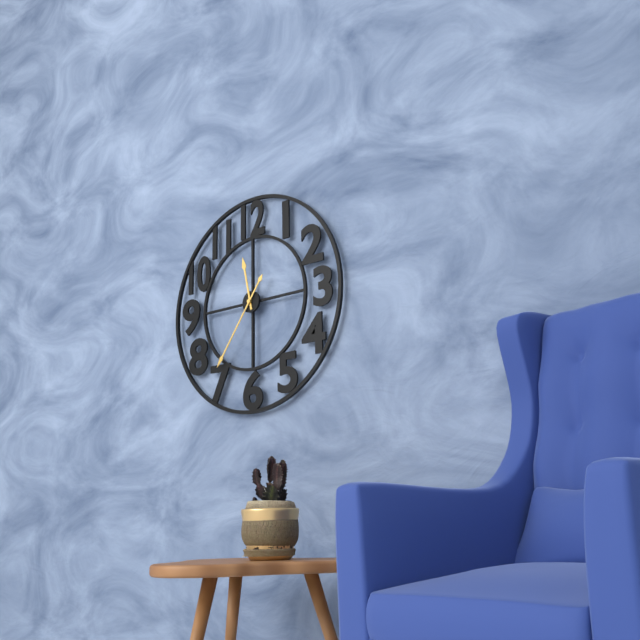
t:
11:36
